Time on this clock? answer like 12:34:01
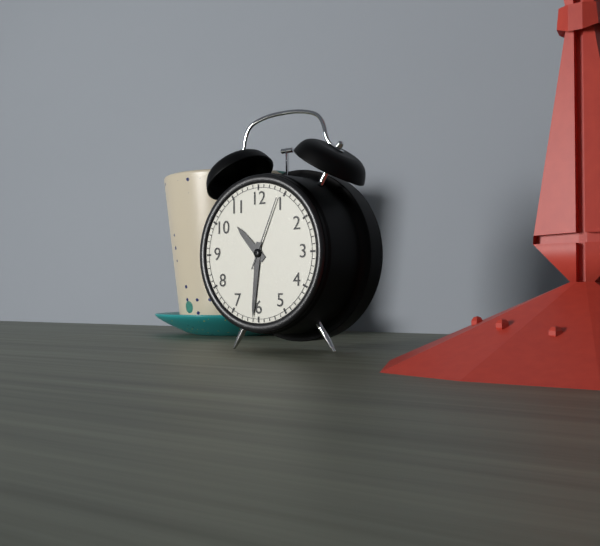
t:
10:31:04
